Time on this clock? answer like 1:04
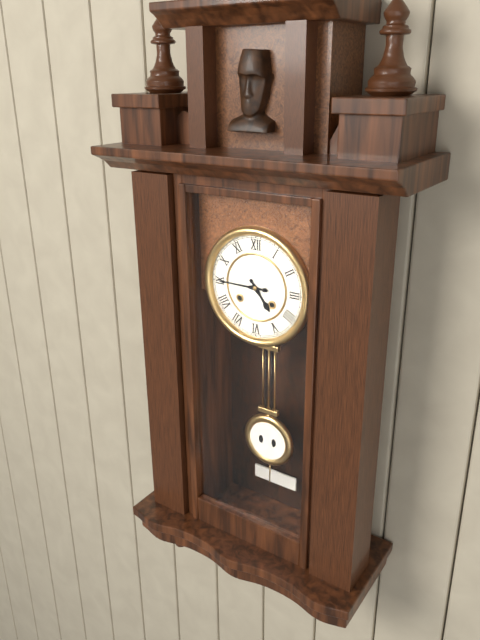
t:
4:45
